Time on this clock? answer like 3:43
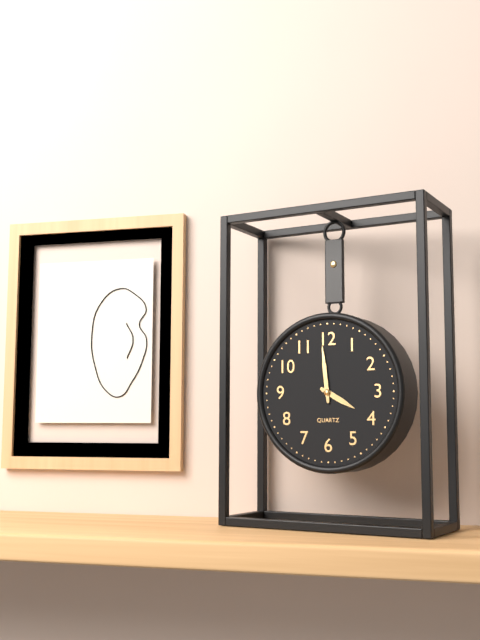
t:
3:59
